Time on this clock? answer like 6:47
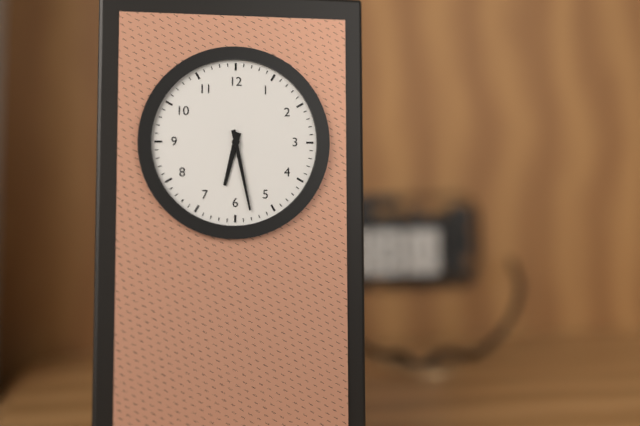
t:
6:28
